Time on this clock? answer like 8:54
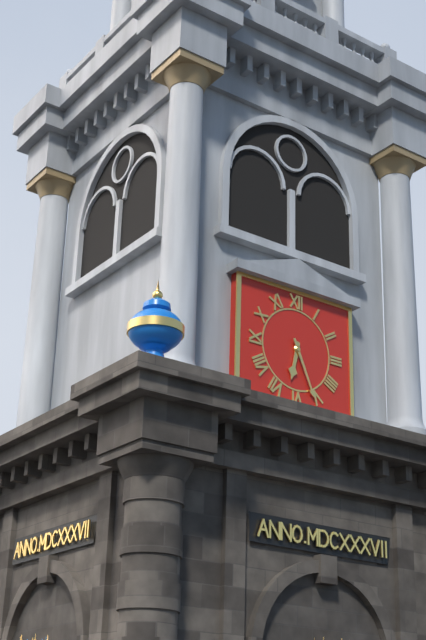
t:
6:26
